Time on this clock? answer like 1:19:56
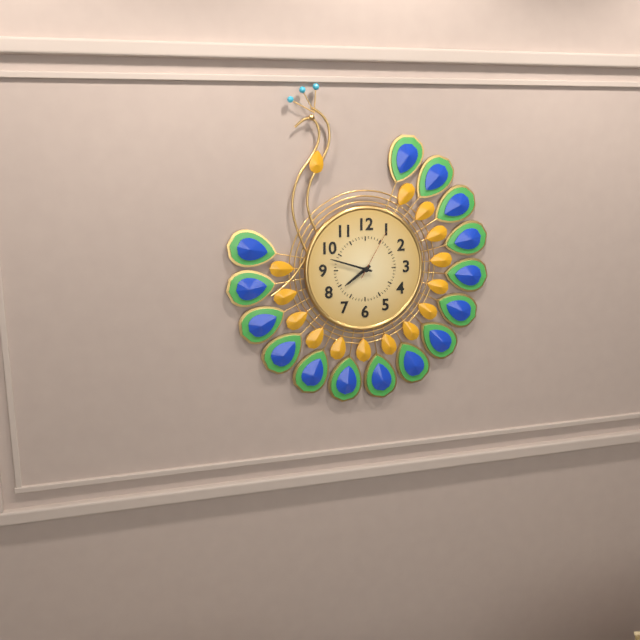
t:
7:48:05
